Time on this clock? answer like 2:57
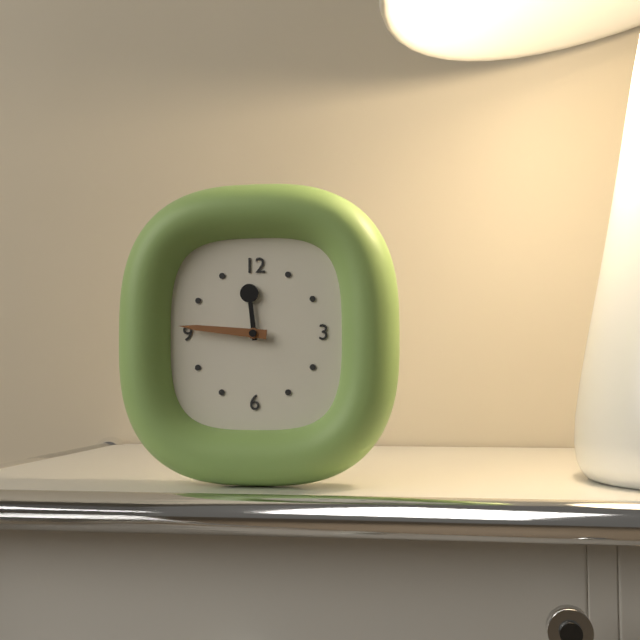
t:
11:46
